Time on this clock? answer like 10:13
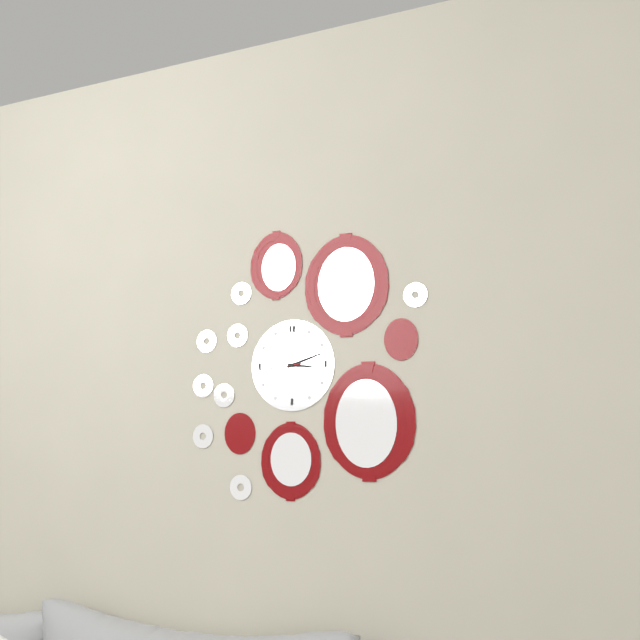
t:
3:12
